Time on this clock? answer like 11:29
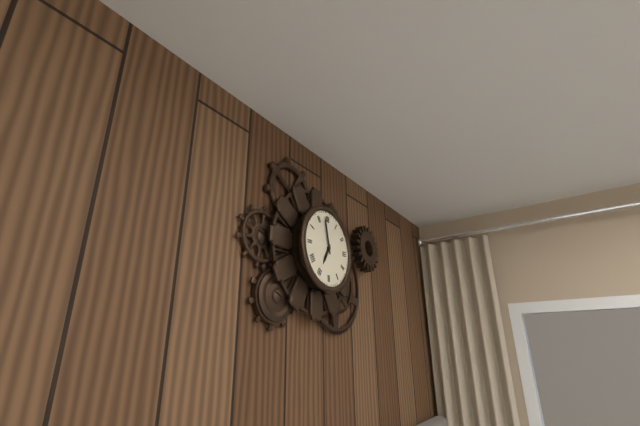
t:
6:58
